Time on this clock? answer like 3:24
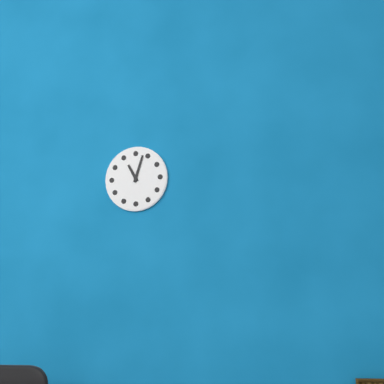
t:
11:03
